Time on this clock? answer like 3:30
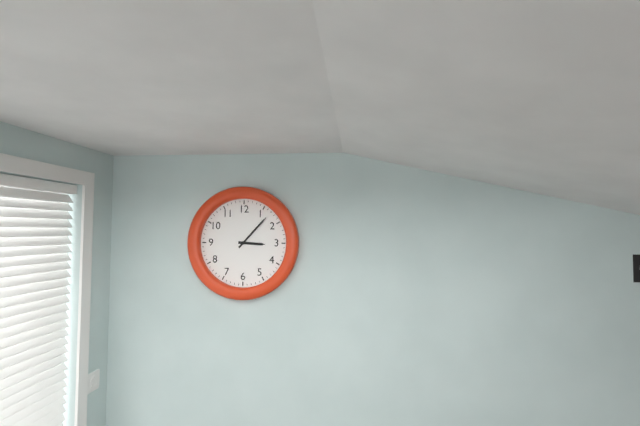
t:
3:07
